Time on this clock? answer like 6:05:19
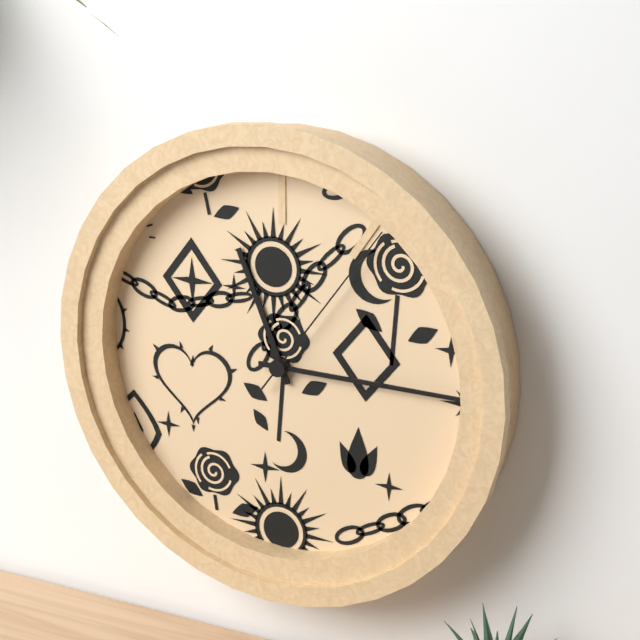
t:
11:15:06
